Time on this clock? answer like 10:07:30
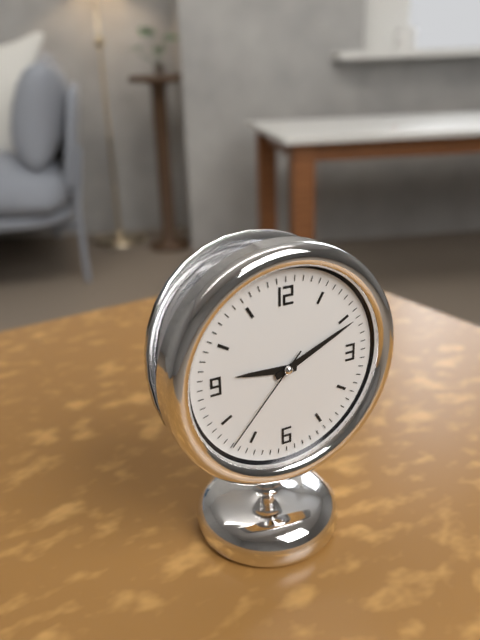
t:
9:11:37
